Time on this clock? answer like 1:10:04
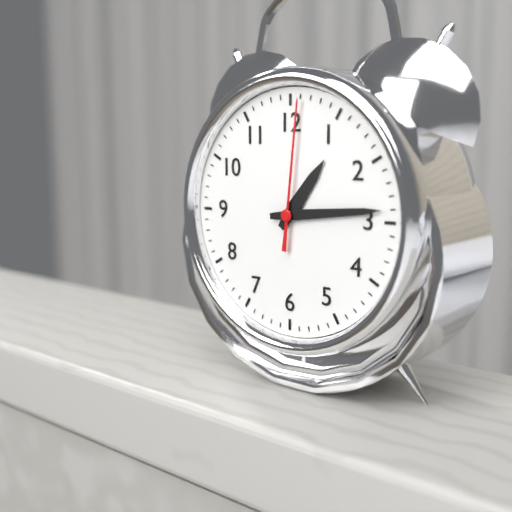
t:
1:14:01
